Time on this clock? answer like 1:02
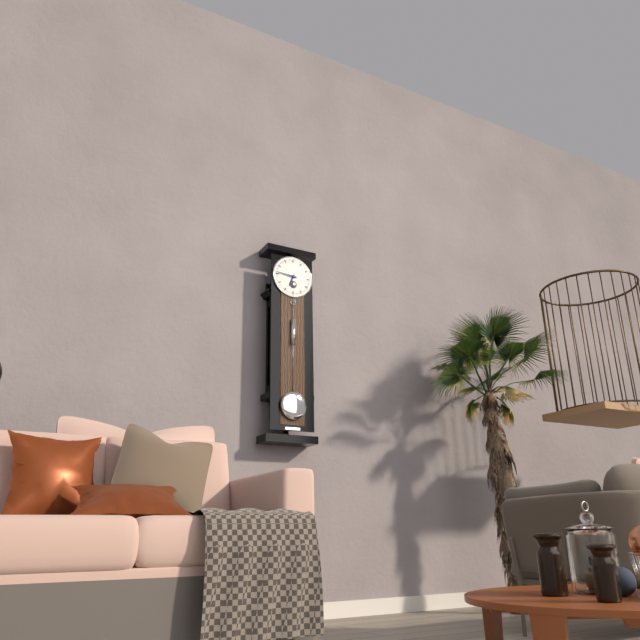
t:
6:46
